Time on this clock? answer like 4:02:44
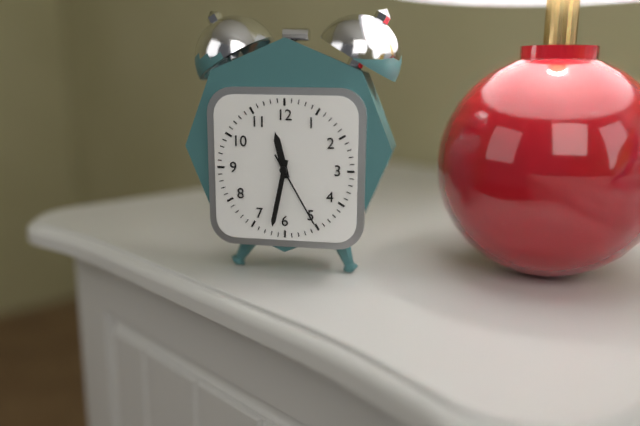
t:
11:32:25
